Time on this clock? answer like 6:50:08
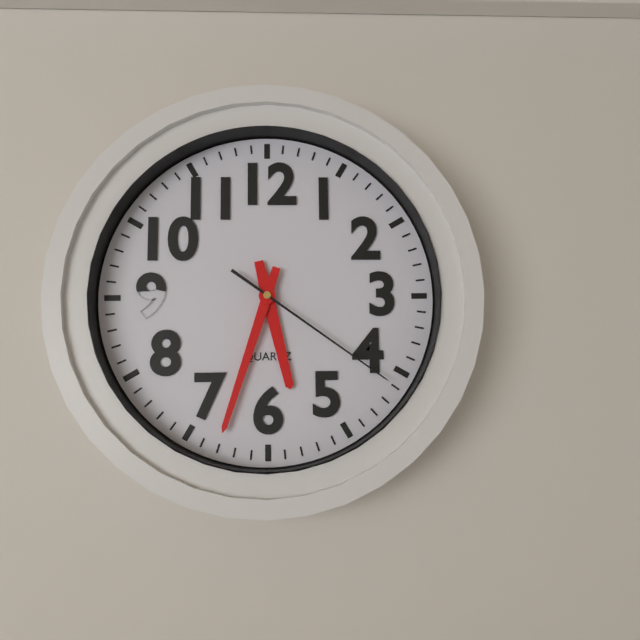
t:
5:33:21
